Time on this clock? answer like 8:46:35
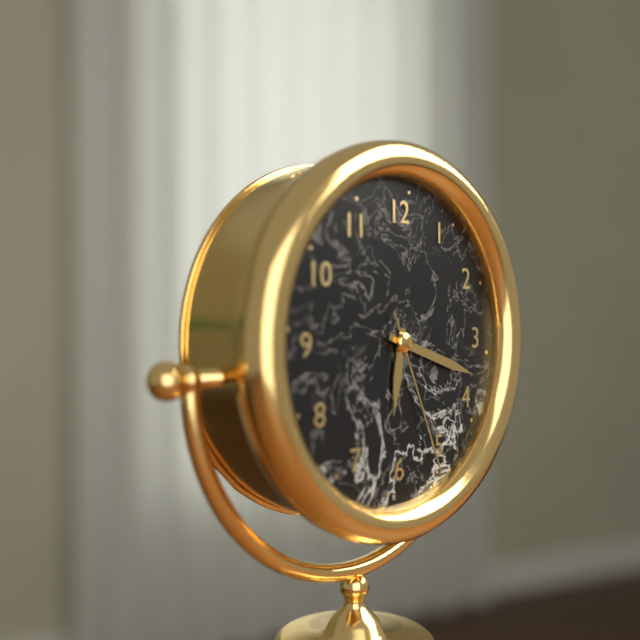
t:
6:18:26
